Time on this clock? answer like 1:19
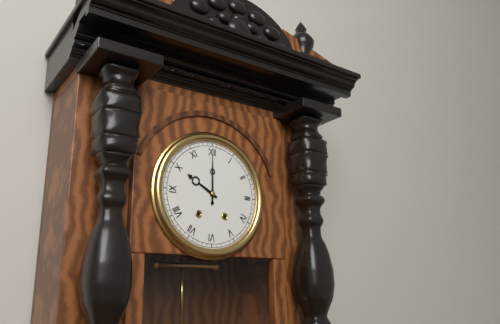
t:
10:00
